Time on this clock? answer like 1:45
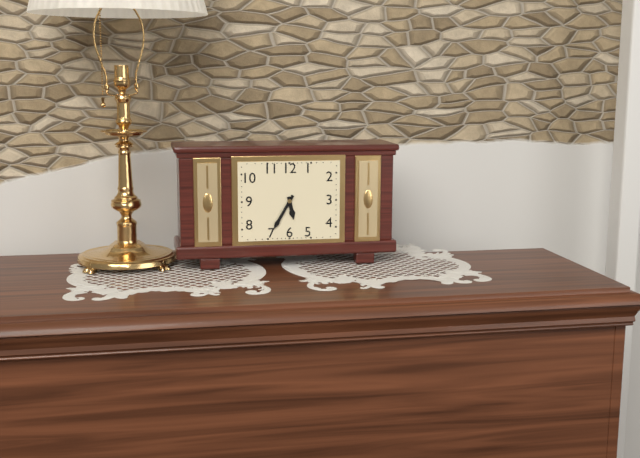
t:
5:35
